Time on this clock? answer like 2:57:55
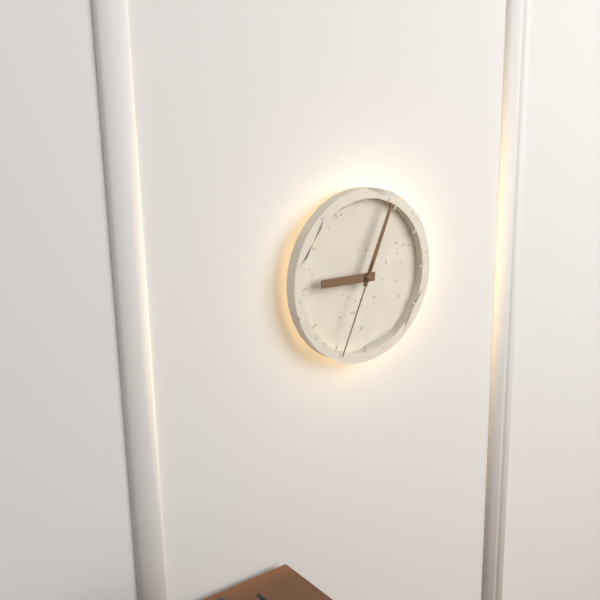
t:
9:04:34
